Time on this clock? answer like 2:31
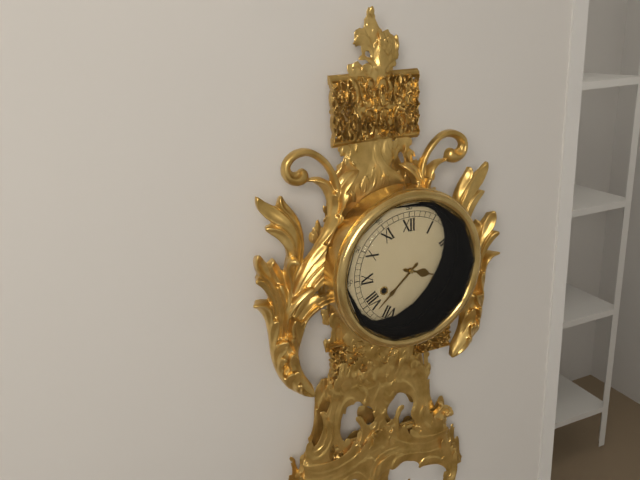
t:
3:38
